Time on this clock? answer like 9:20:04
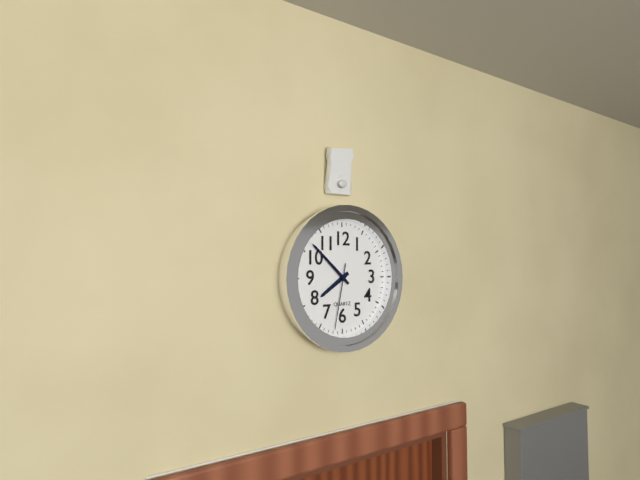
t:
7:52:32
